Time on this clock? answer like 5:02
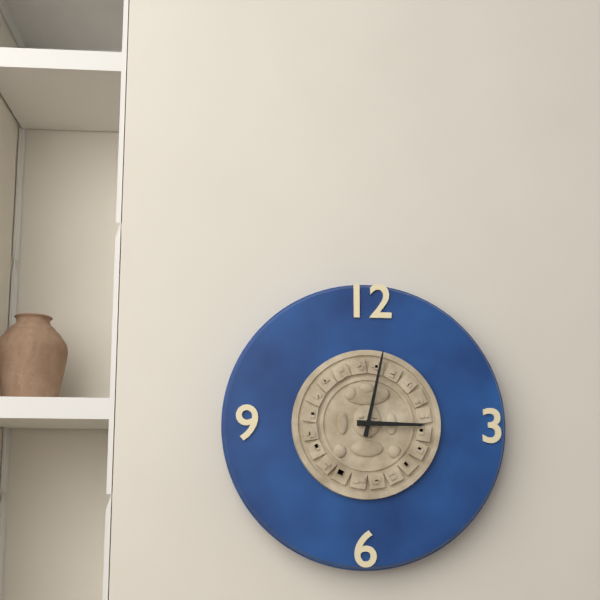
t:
3:02
